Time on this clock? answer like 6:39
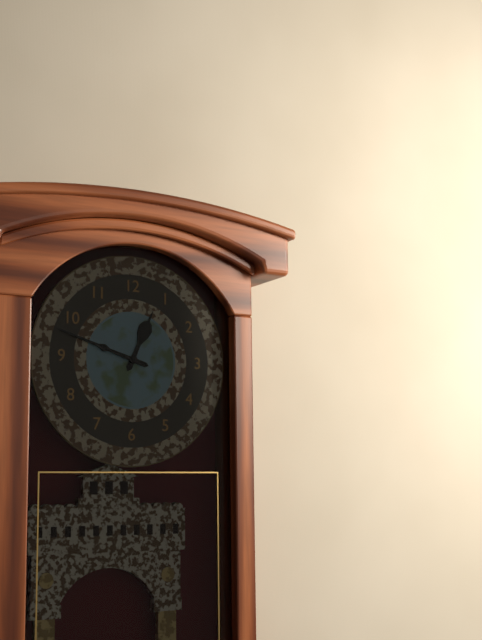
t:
12:48
